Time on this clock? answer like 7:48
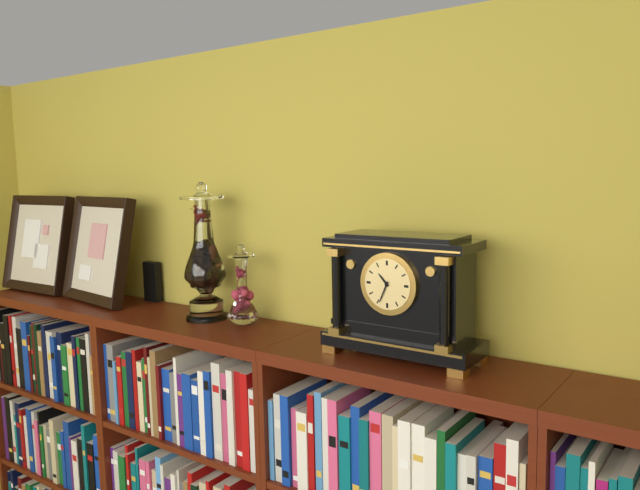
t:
10:34
